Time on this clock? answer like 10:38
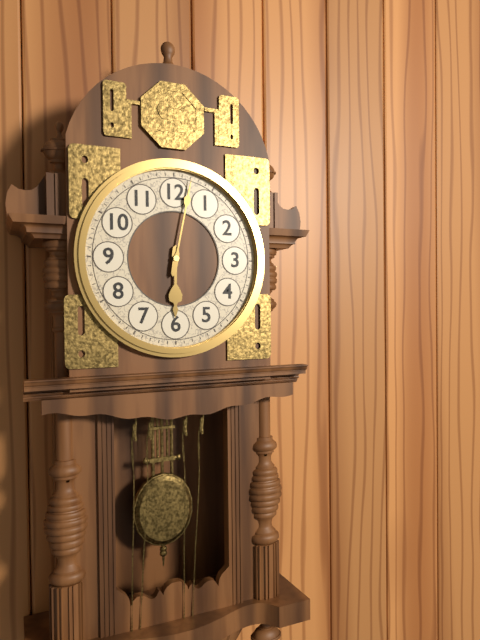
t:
6:02
